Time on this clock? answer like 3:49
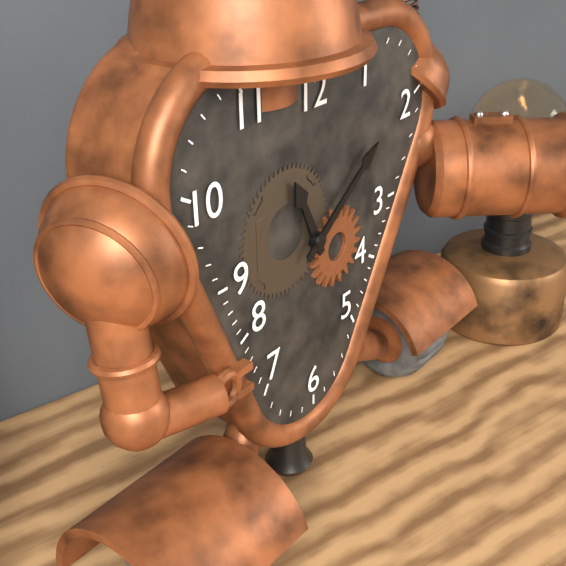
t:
11:09
